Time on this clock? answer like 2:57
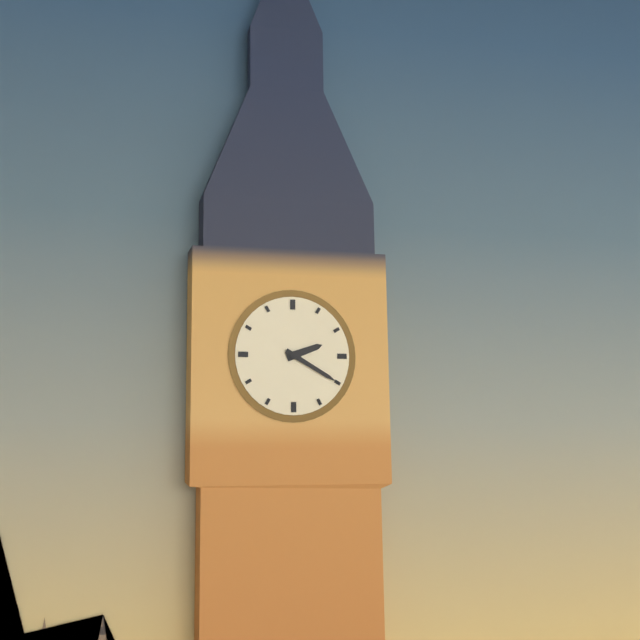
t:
2:20
